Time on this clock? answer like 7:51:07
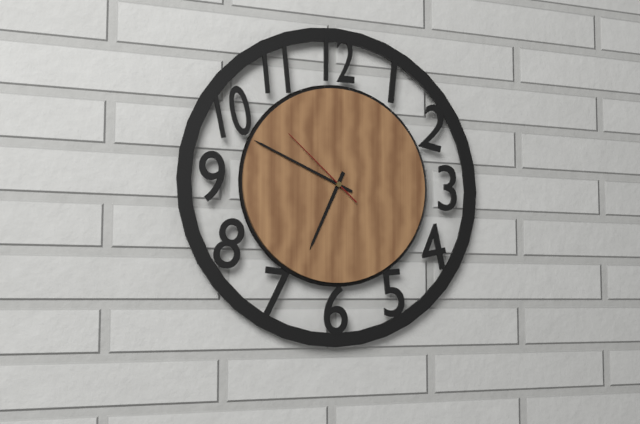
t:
6:49:52
